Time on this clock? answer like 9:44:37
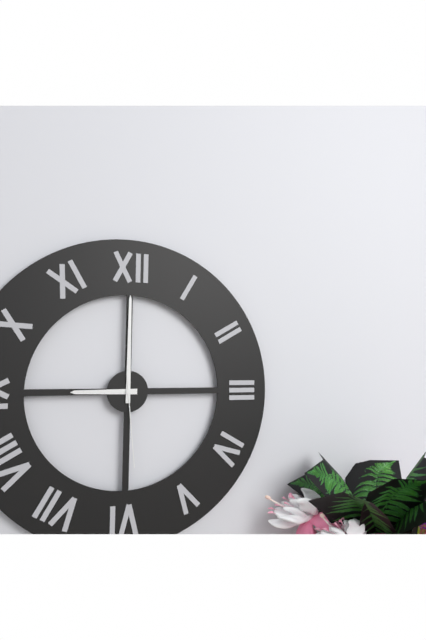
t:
9:00:29
